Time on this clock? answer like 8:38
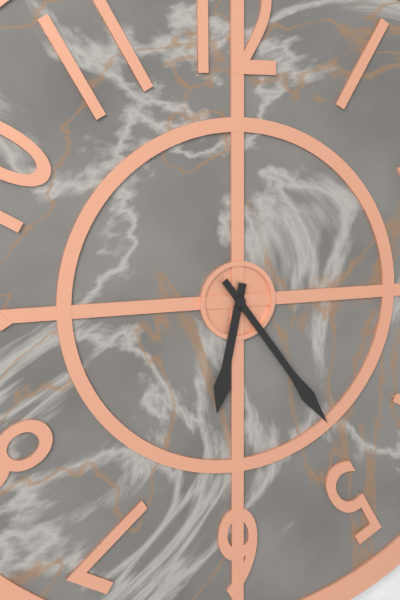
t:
6:24
